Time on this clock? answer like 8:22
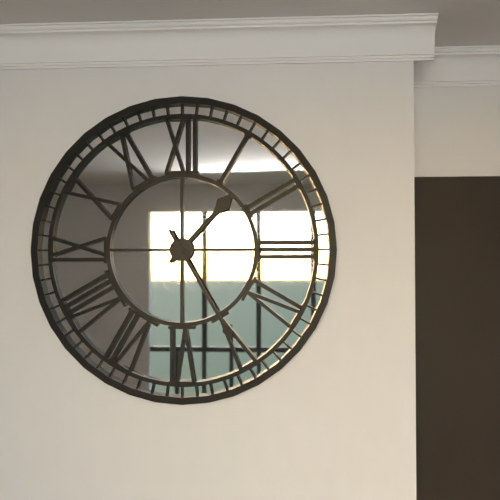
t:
1:25
